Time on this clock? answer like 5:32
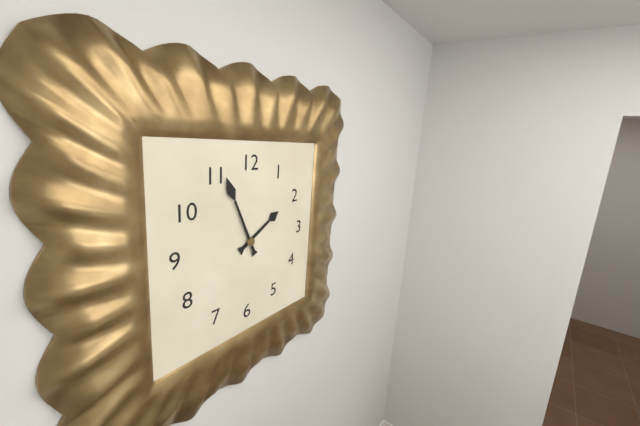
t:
1:56
